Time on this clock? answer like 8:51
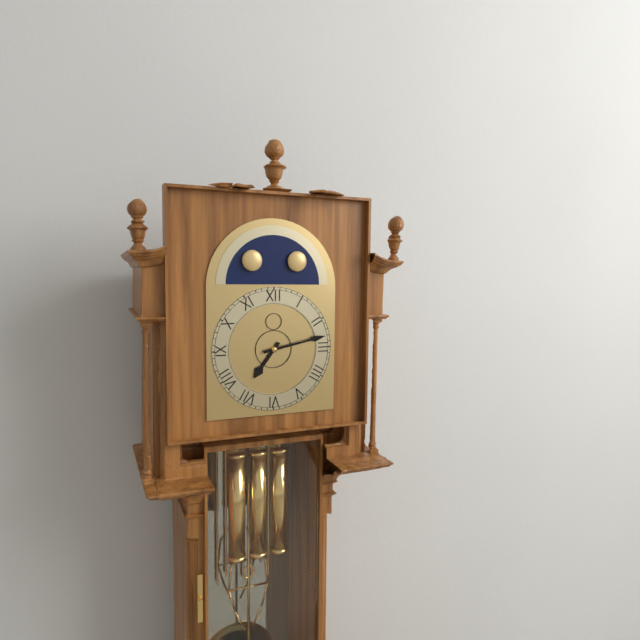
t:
7:13
